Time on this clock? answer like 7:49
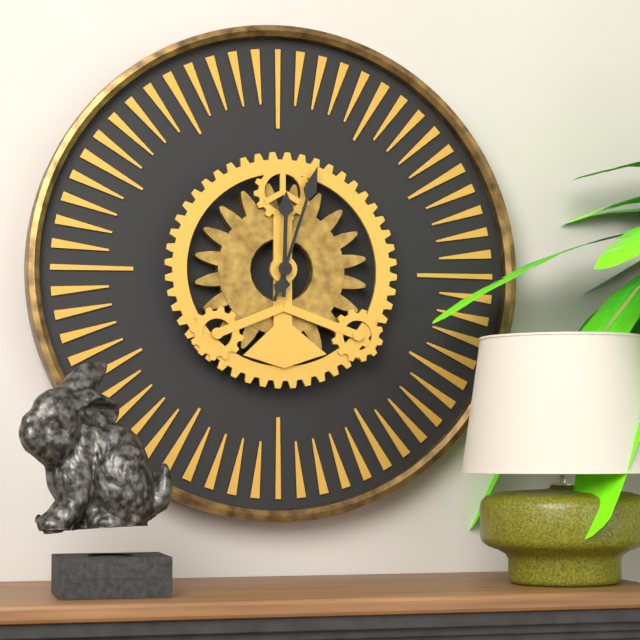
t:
12:03
